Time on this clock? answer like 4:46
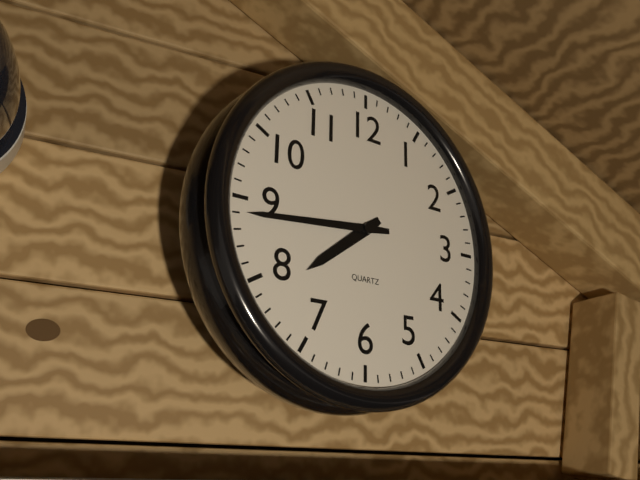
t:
7:44
